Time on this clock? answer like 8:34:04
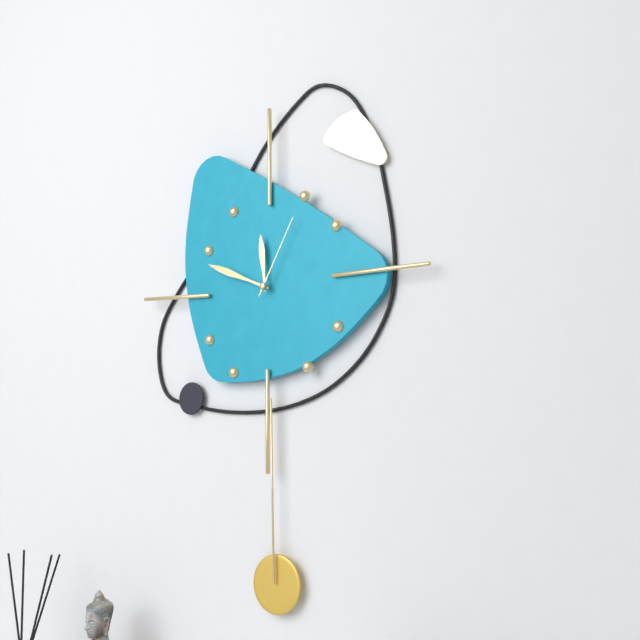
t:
11:49:05
